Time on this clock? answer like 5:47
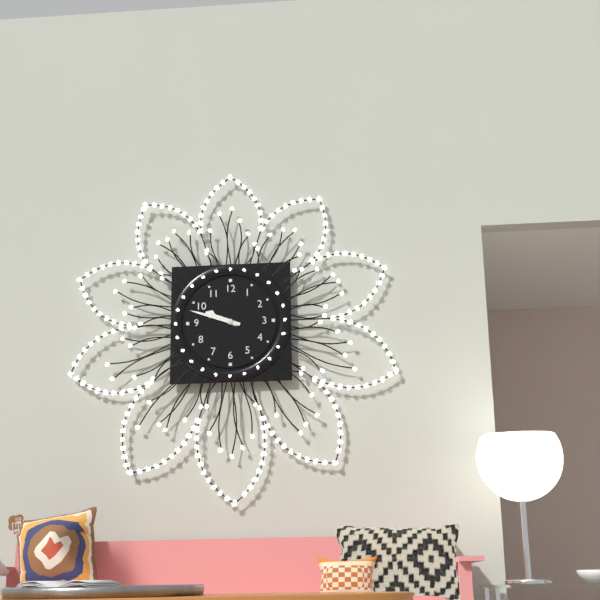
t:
9:48
